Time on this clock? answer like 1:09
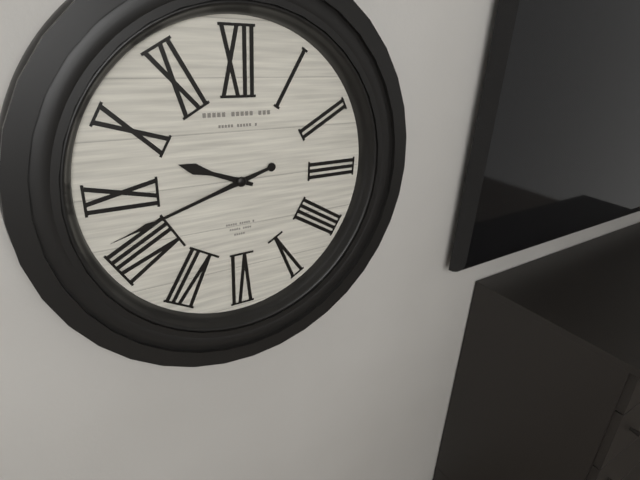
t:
9:42
